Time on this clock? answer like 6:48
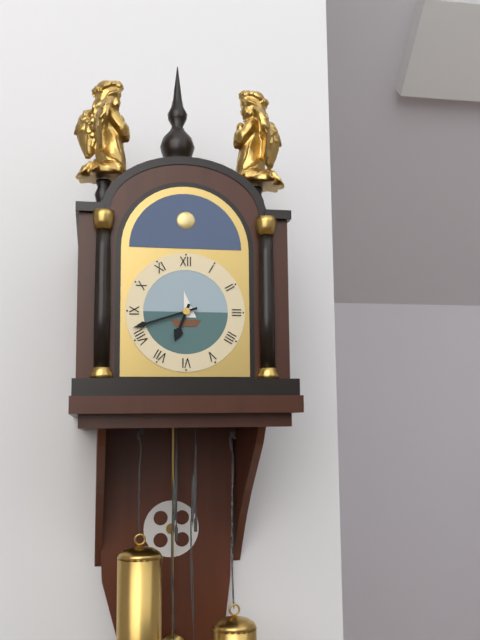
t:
6:42
